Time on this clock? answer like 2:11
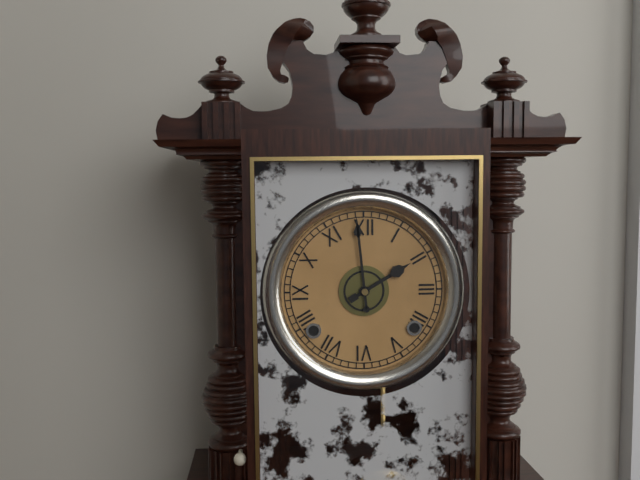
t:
1:59
